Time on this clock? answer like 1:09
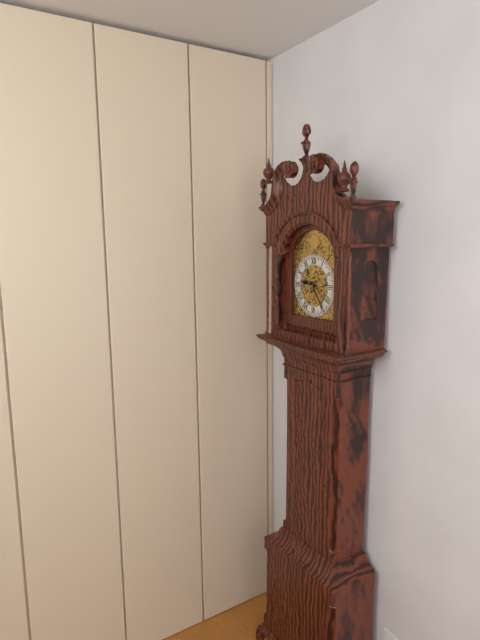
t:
9:24
